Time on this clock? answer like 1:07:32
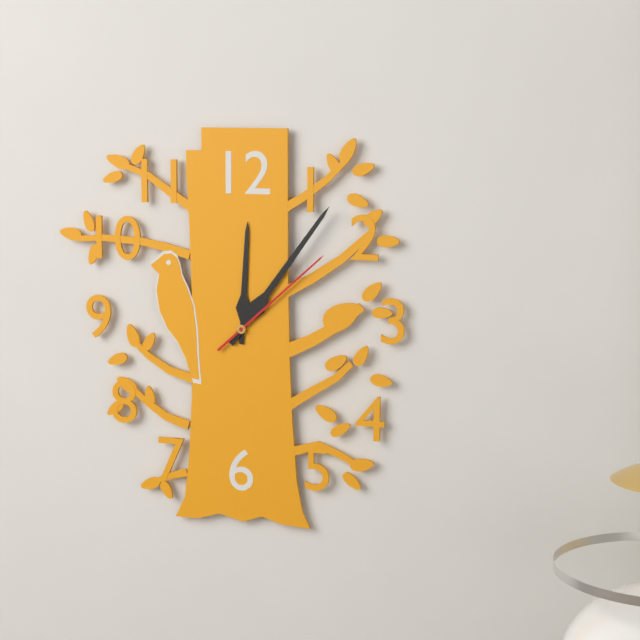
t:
12:06:08
